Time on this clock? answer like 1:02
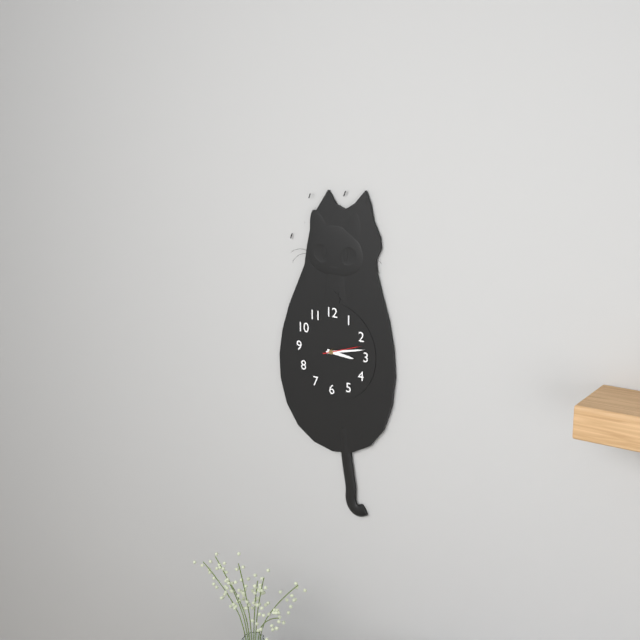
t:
3:13
